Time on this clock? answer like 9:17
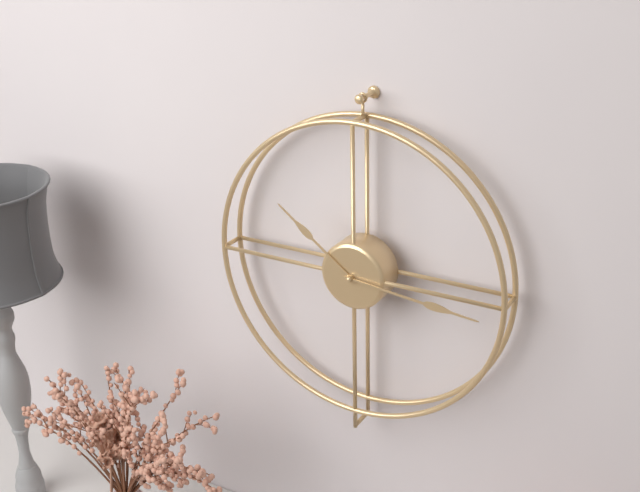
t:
10:16
